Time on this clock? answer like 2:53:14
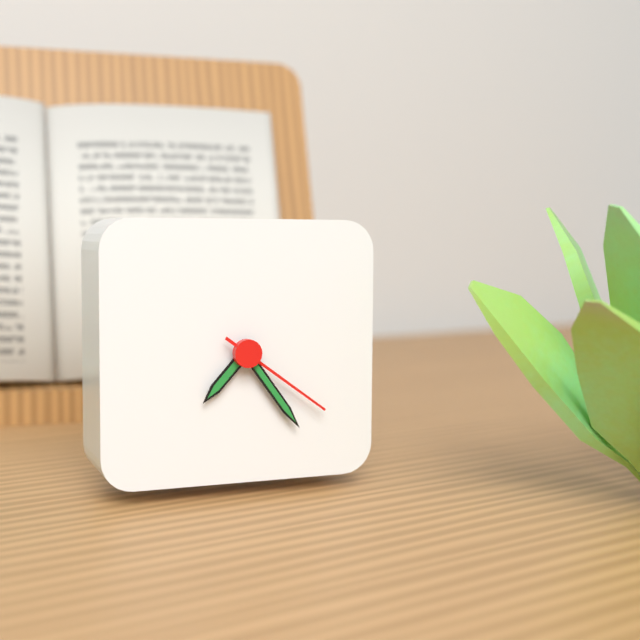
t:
7:24:21
